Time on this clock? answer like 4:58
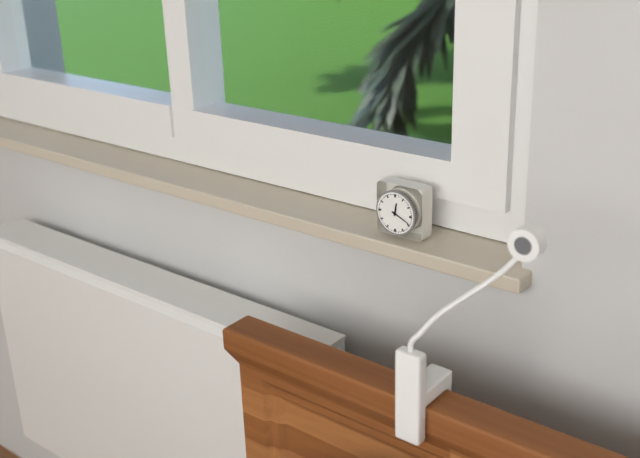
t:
12:19
